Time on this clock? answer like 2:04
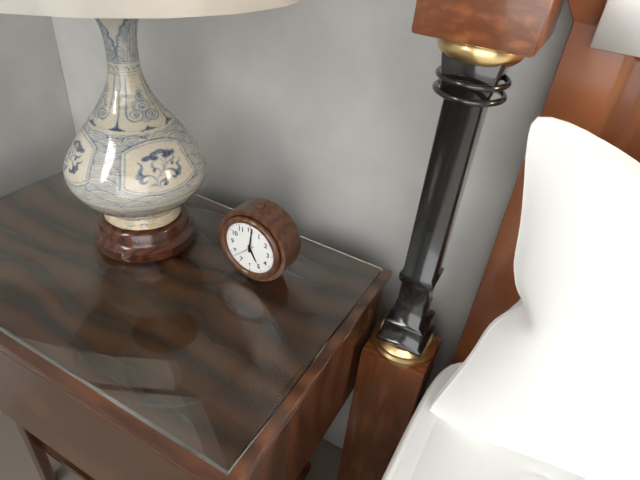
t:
5:01
